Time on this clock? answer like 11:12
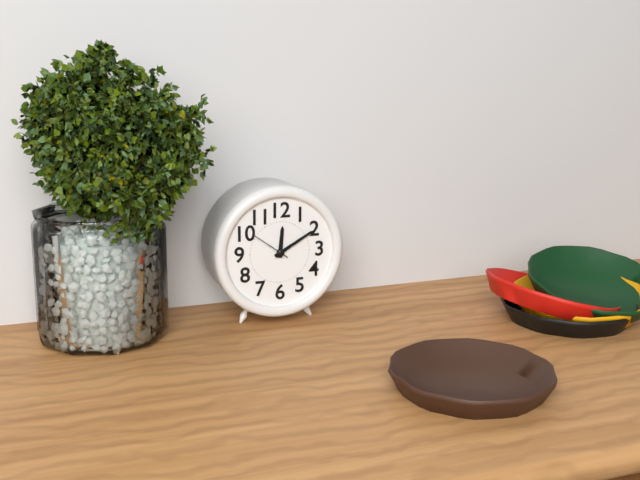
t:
12:10
